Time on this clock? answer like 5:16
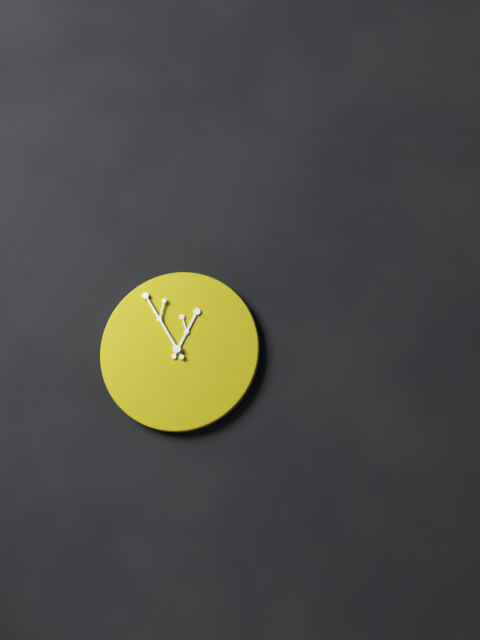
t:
12:55
